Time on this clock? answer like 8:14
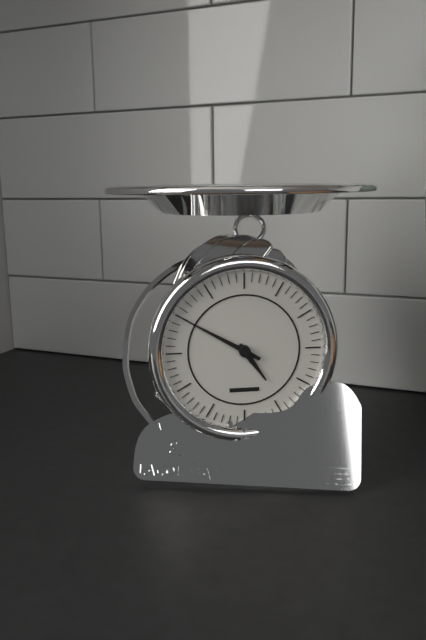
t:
4:50
